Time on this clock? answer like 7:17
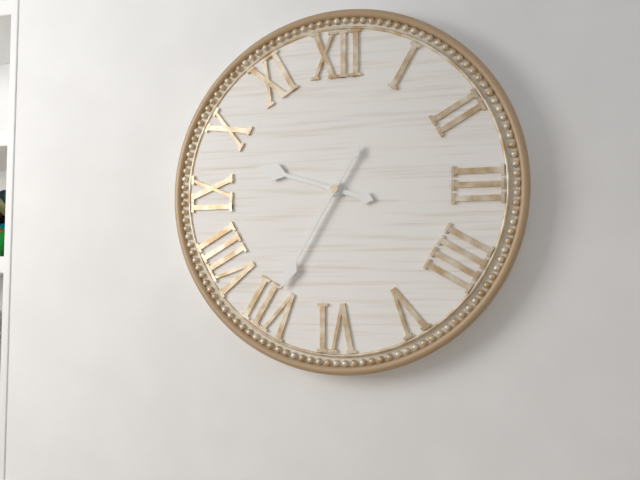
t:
9:35
